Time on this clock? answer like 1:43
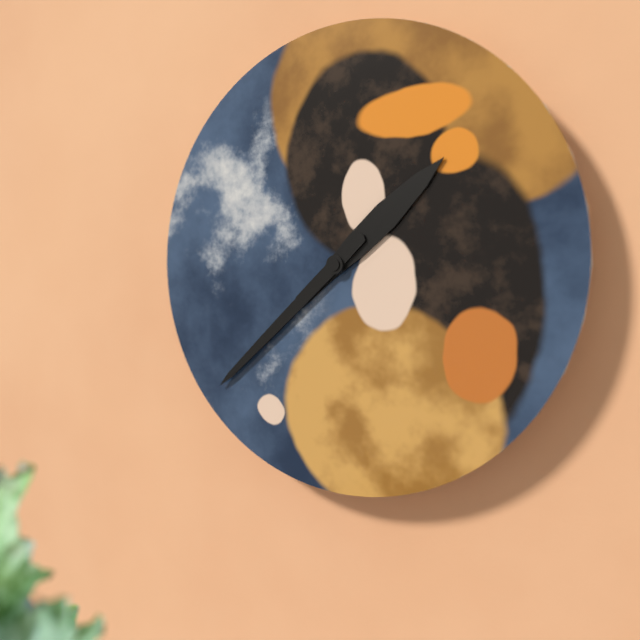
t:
1:38
